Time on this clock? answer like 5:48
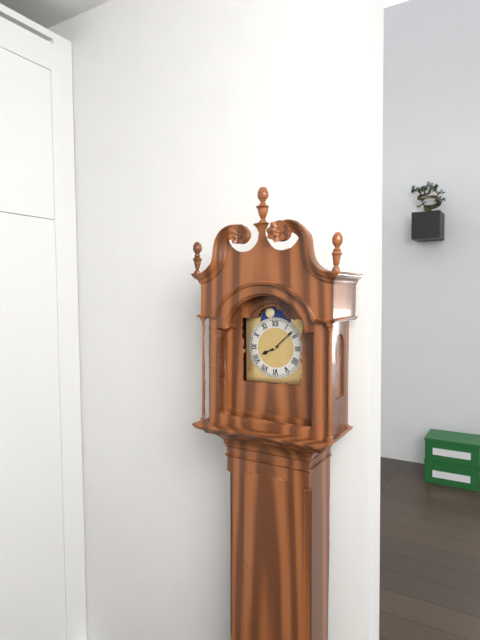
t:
8:08
